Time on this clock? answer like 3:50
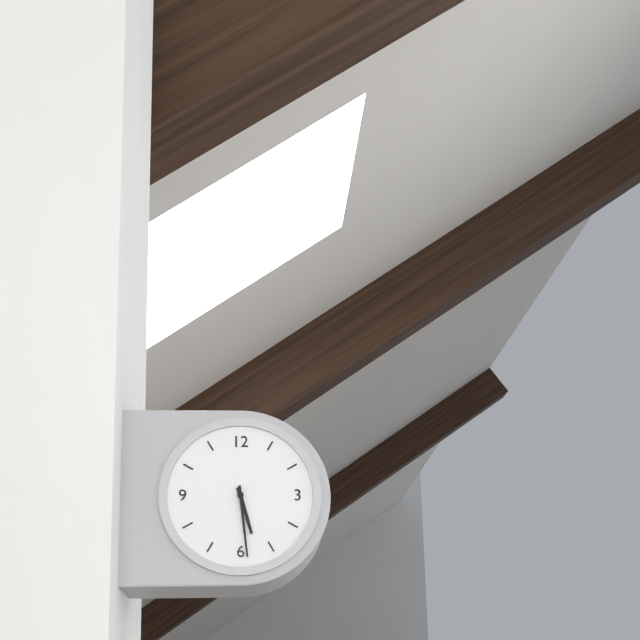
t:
5:29
